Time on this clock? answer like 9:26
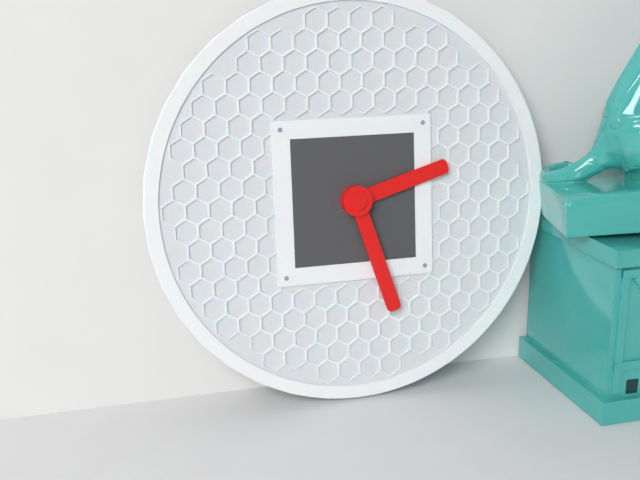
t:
2:27
